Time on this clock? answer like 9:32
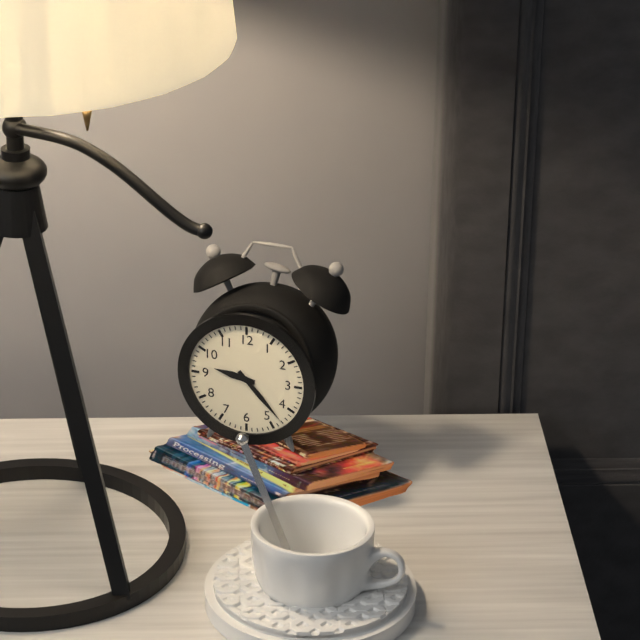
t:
9:23
